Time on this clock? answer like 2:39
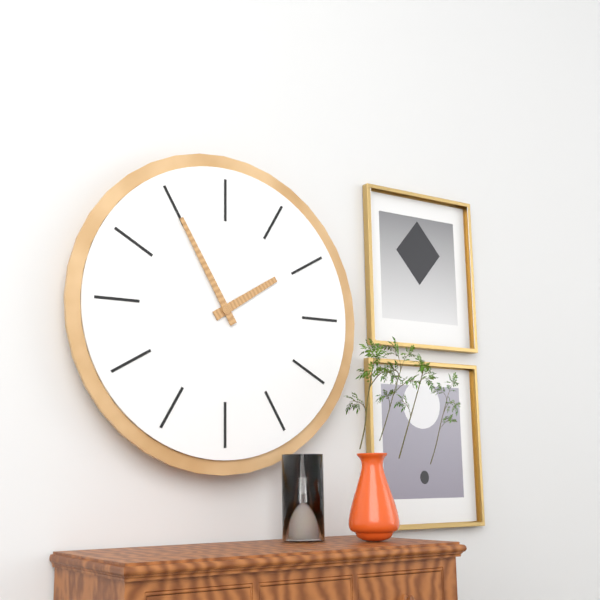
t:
1:55
